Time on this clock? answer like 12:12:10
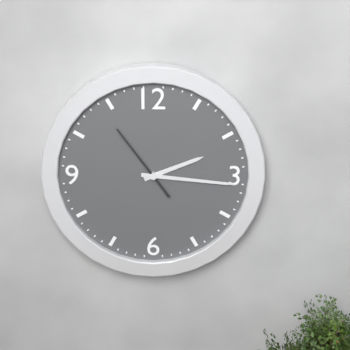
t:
2:16:54
